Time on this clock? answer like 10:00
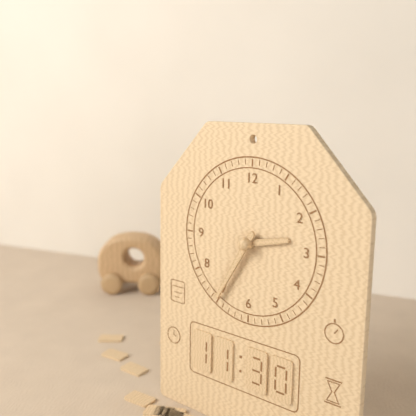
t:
2:35
